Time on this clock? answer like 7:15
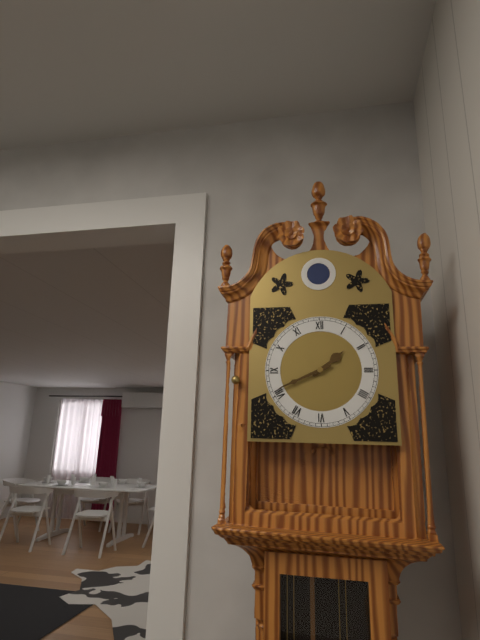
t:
1:41
